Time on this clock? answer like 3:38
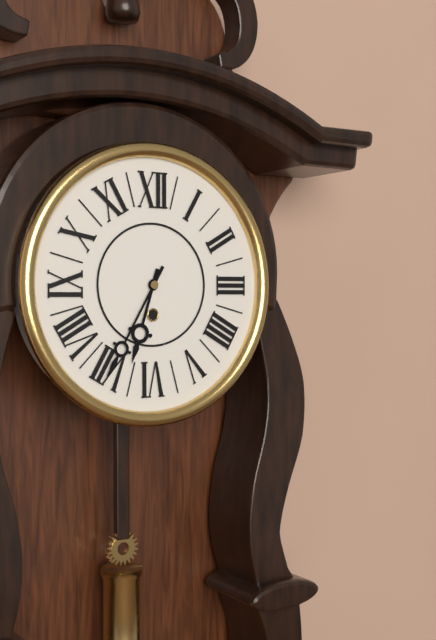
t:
6:35
